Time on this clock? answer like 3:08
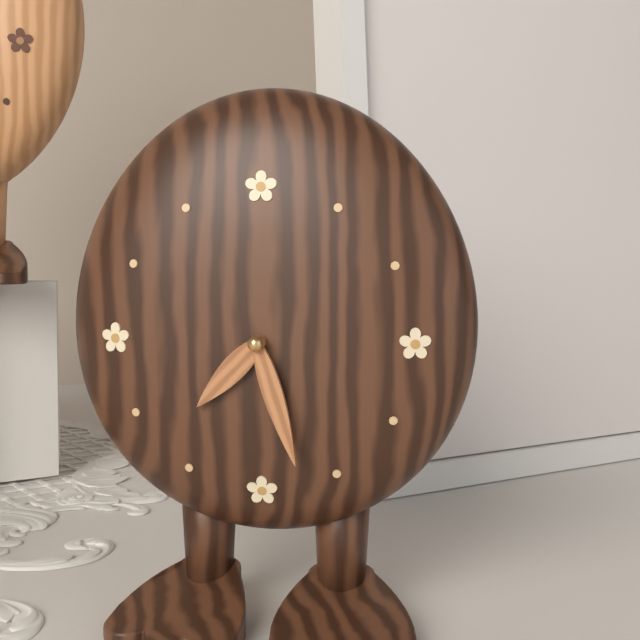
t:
7:27
